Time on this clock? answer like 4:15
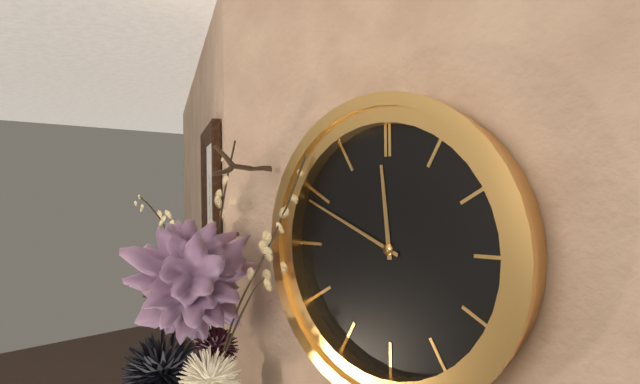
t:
11:49
